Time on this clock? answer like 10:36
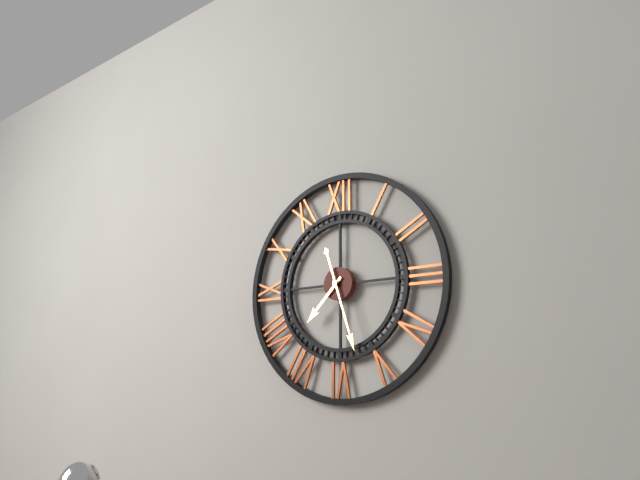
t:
7:27
